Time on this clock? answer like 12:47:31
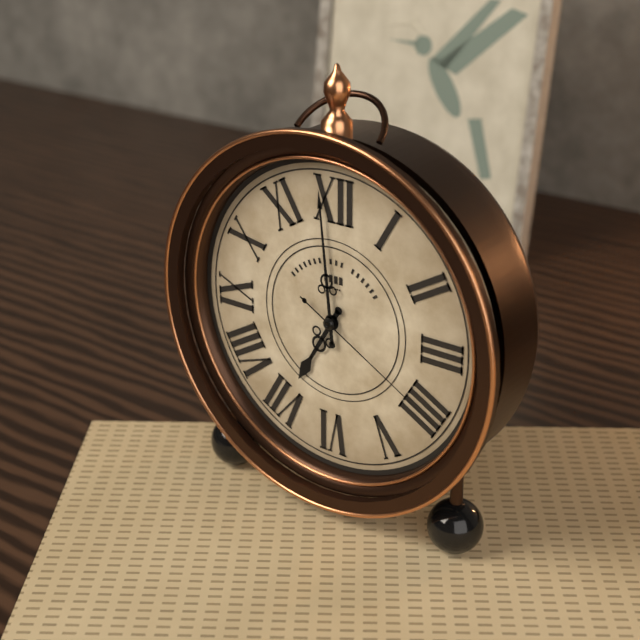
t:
6:59:20
